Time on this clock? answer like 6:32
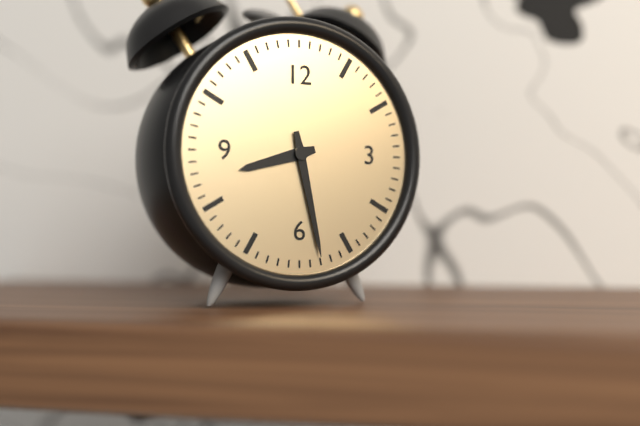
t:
8:28
